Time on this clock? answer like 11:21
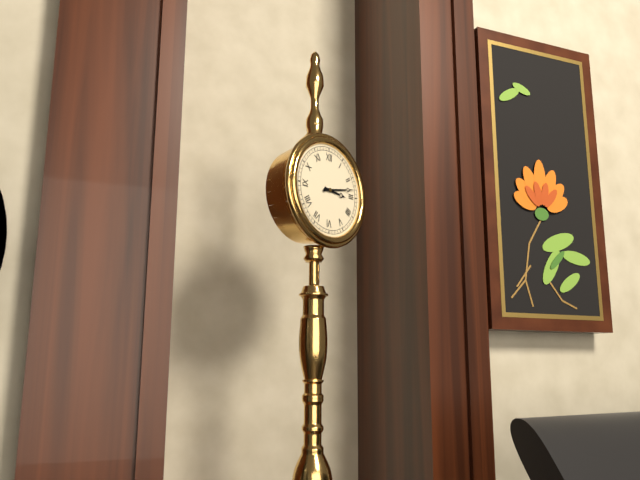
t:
3:13
